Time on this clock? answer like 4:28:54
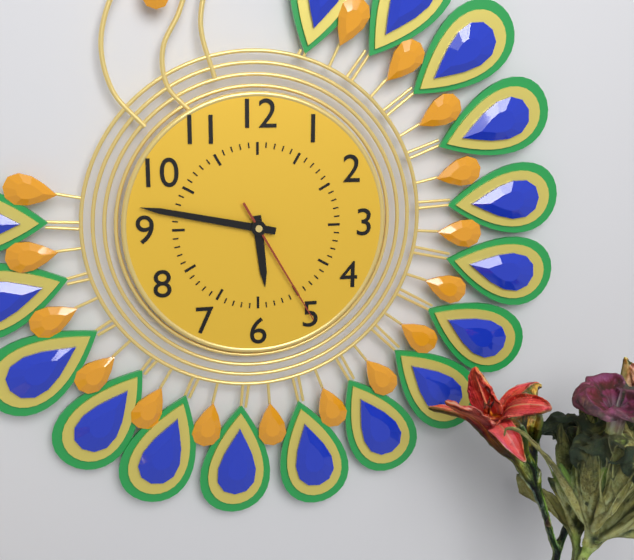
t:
5:47:25
